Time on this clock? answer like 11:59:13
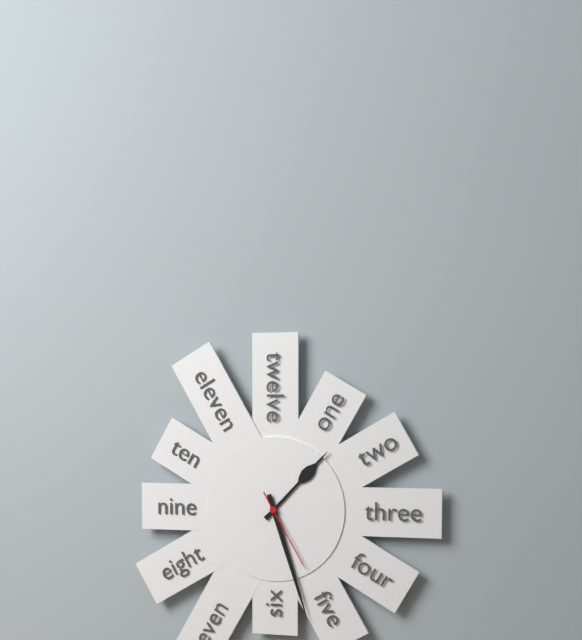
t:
1:27:25
